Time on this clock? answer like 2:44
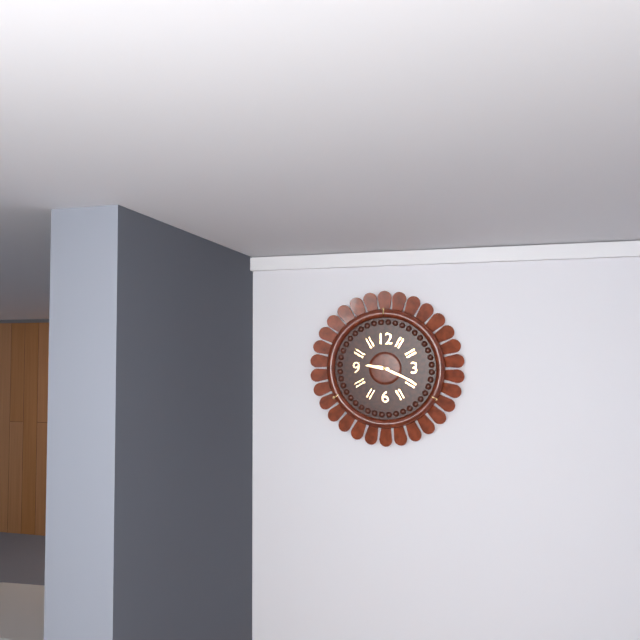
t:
9:19
